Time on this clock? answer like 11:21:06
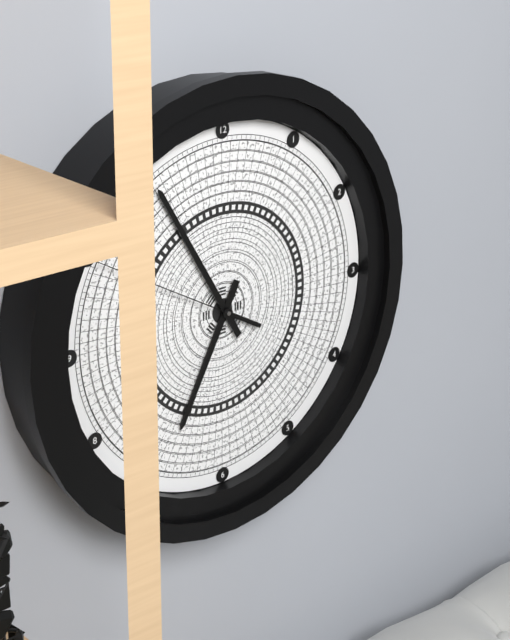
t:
6:55:50
